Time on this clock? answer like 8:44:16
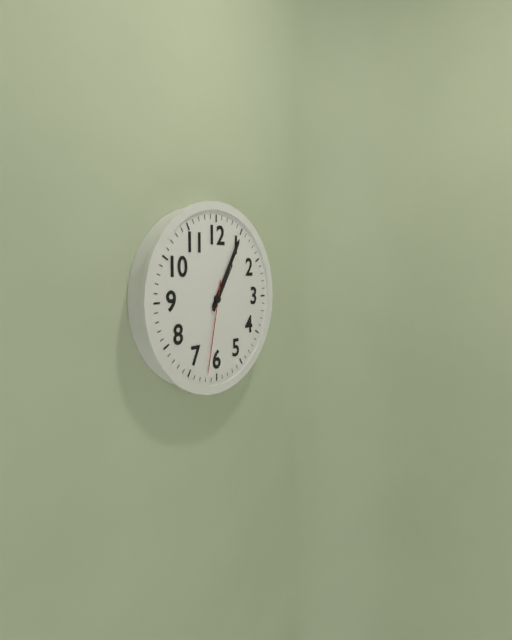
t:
1:05:32
